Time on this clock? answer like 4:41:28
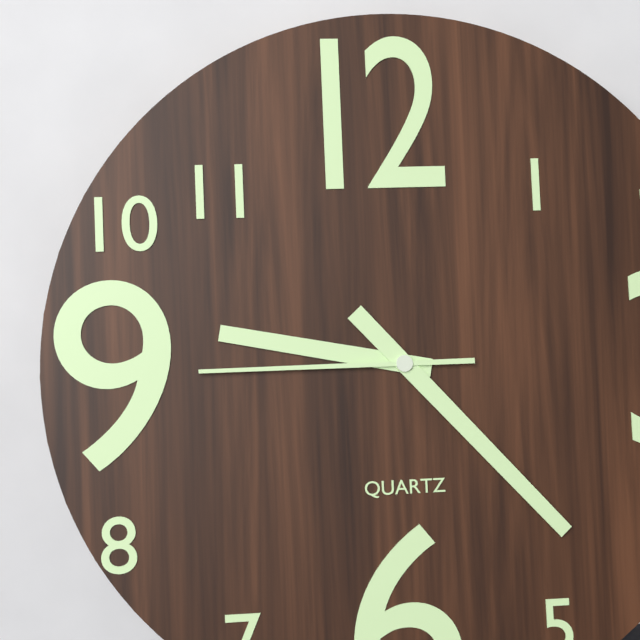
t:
9:23:45
